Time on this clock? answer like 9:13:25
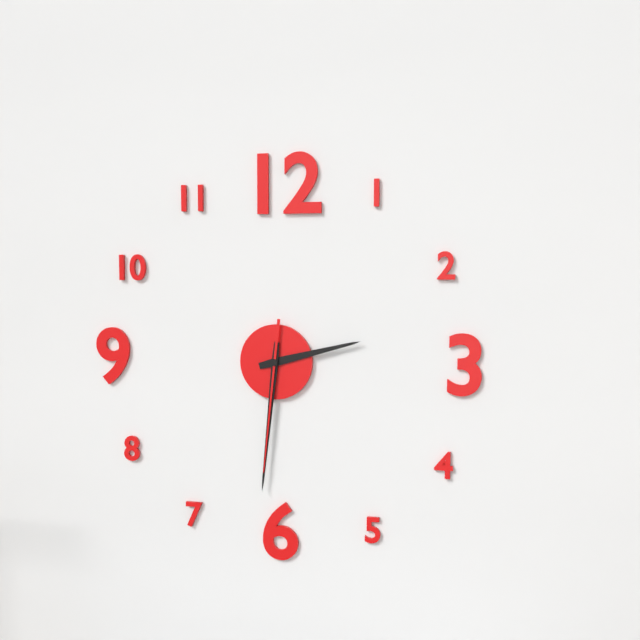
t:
2:31:31
